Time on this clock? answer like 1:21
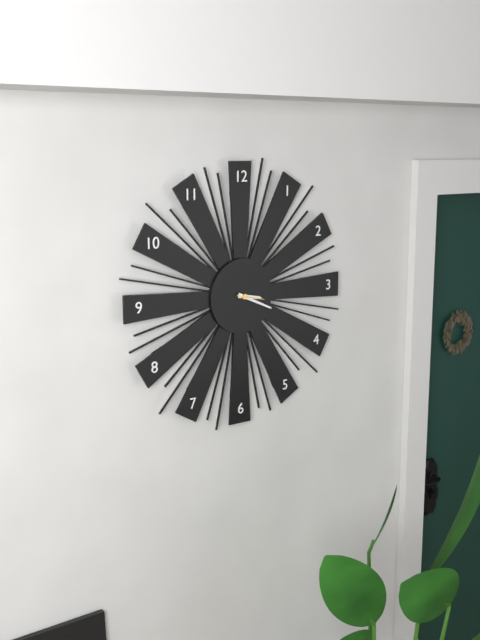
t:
3:19
